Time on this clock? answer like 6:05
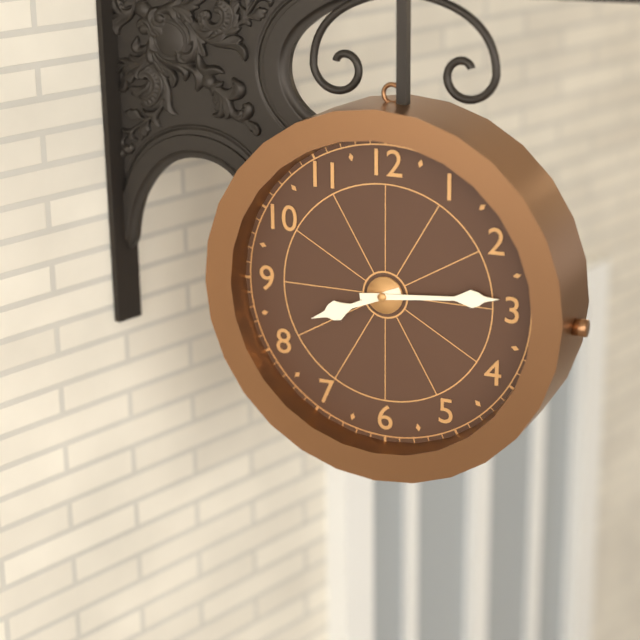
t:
8:14
